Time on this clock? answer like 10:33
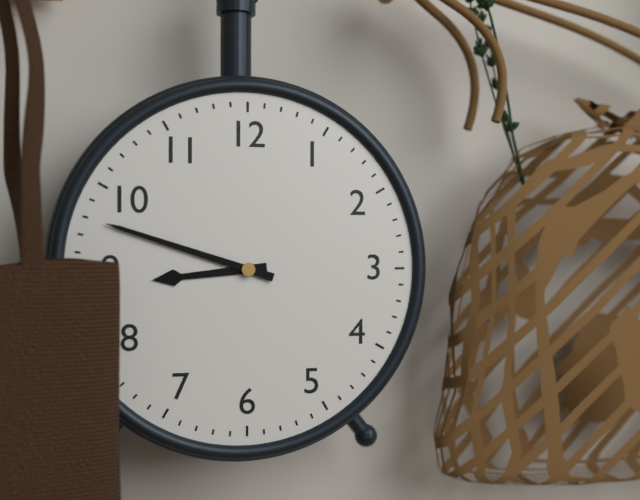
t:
8:48
